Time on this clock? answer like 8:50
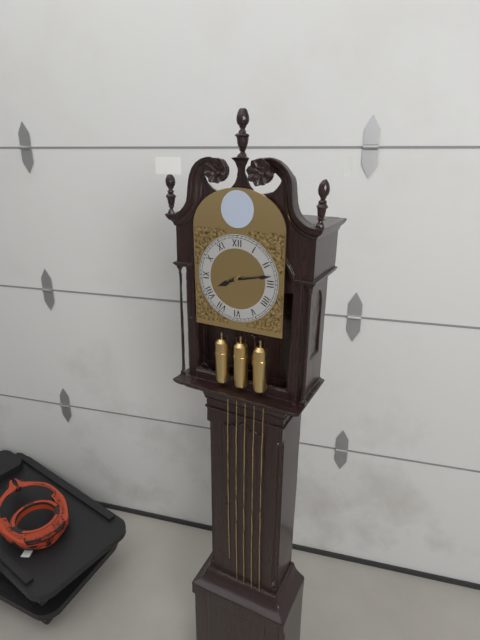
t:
8:13
